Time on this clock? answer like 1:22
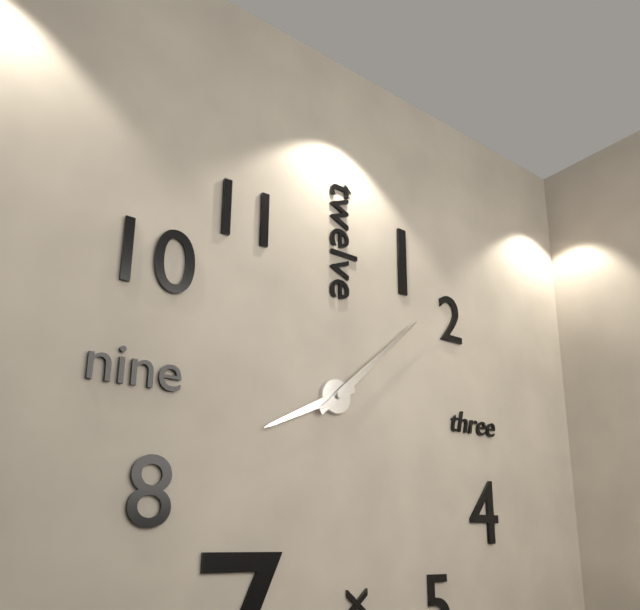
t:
8:08
